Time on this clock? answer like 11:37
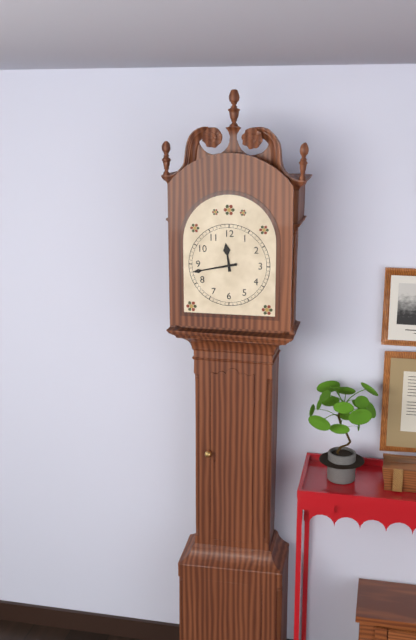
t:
11:43
